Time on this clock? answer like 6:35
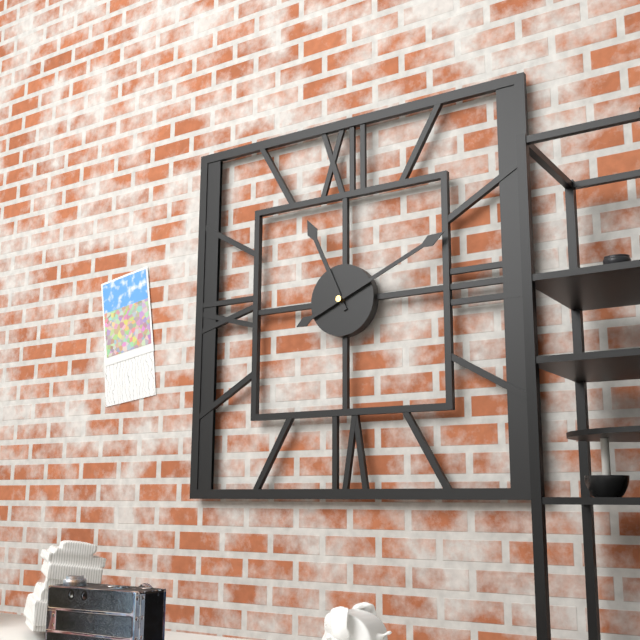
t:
11:11
